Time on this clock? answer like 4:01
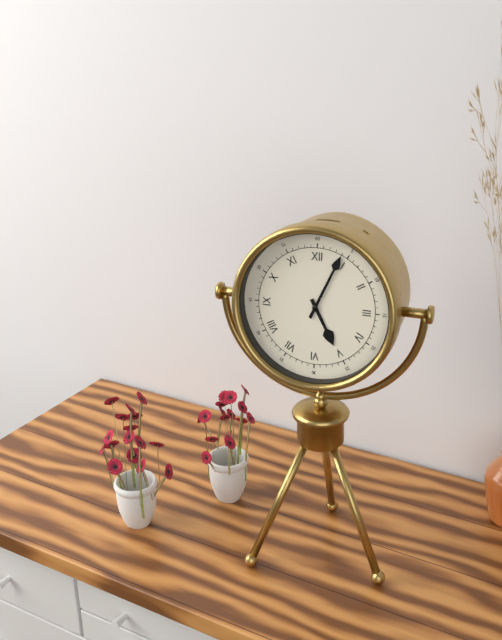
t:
5:04
